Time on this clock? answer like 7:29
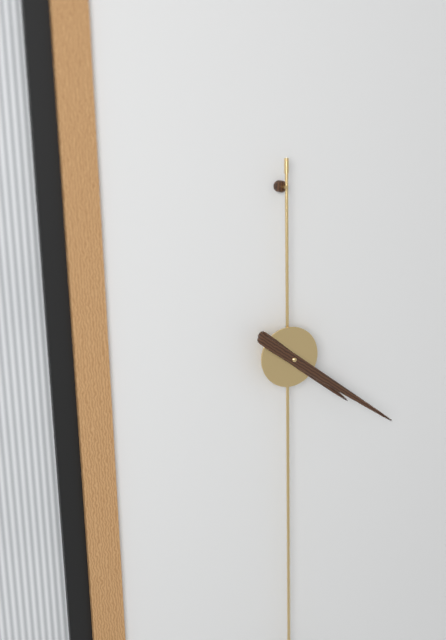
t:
4:21
